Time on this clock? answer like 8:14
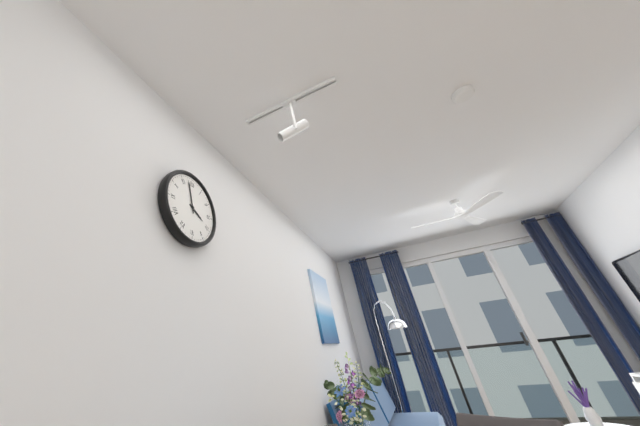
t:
3:58
